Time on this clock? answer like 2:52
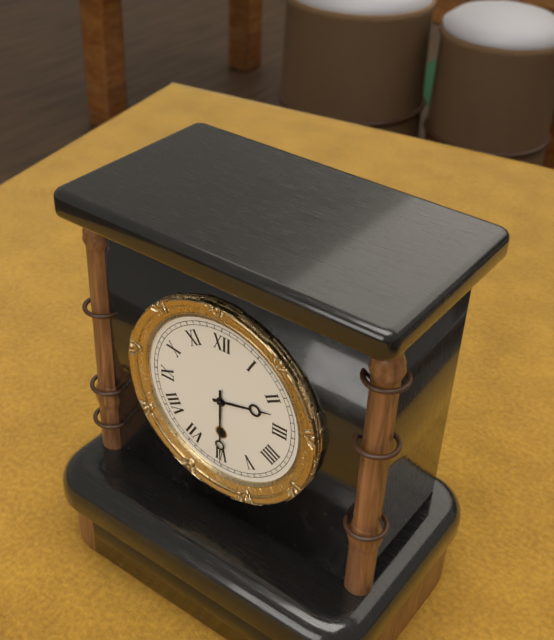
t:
2:30
